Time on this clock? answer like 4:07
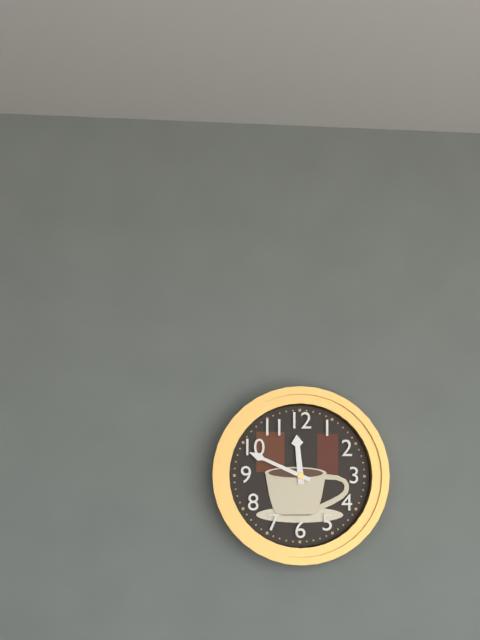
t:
11:49
